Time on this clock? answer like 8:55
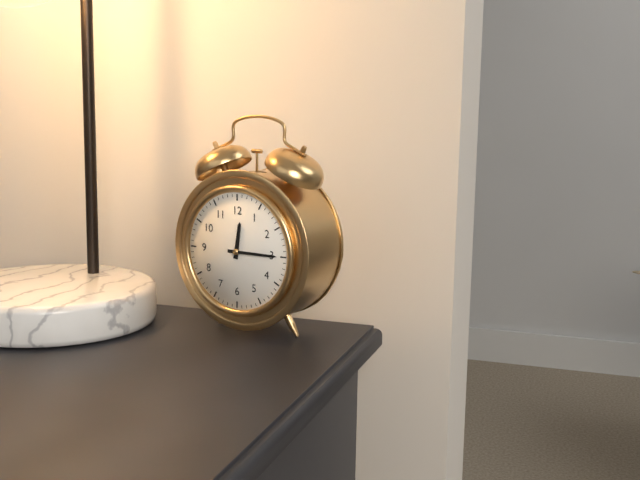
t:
12:15
